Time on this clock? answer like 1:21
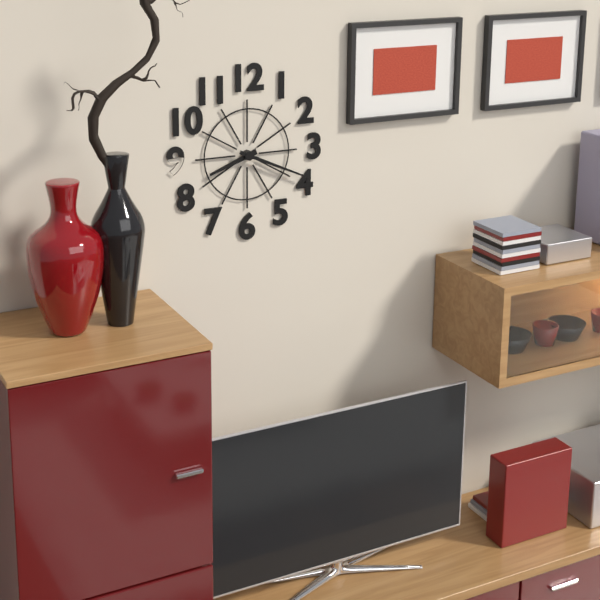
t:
8:19
